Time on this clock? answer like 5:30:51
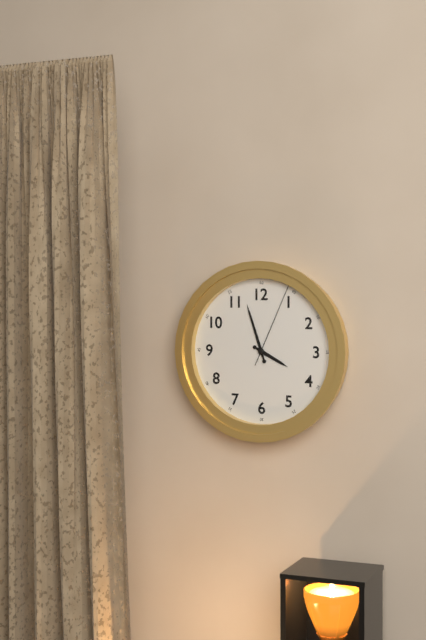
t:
3:57:04
